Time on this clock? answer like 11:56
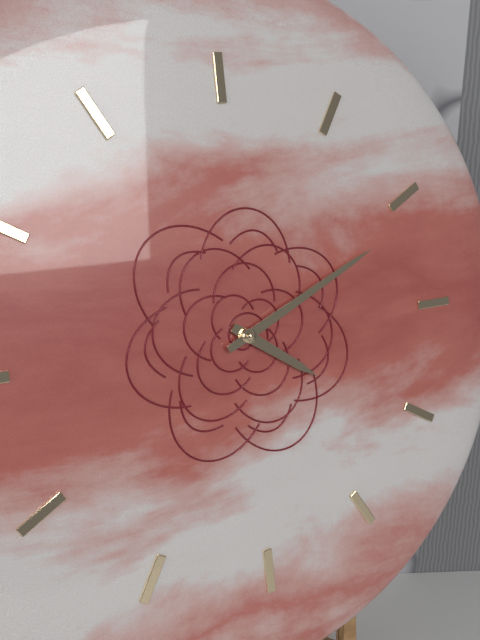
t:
4:11
